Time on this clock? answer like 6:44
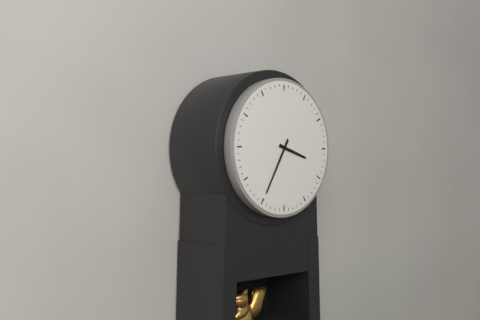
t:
3:35
